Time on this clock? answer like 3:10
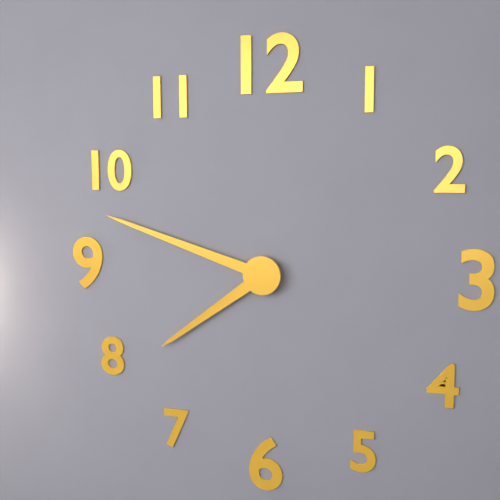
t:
7:48
